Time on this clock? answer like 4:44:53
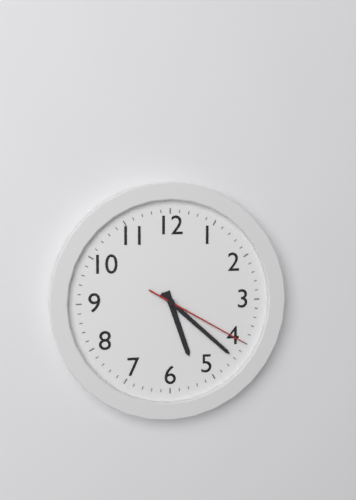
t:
5:22:20
